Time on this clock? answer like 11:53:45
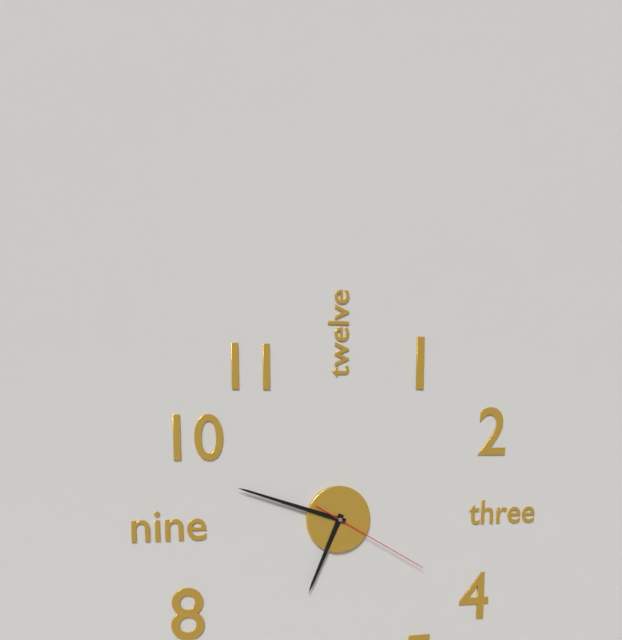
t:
6:48:20
